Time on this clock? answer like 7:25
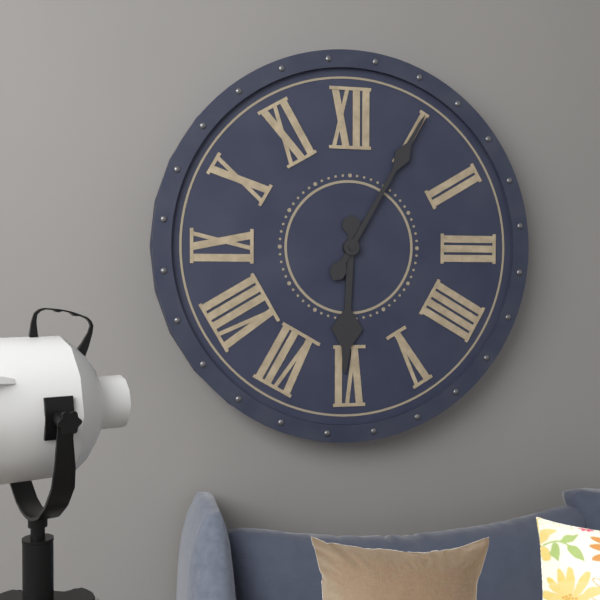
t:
6:05
